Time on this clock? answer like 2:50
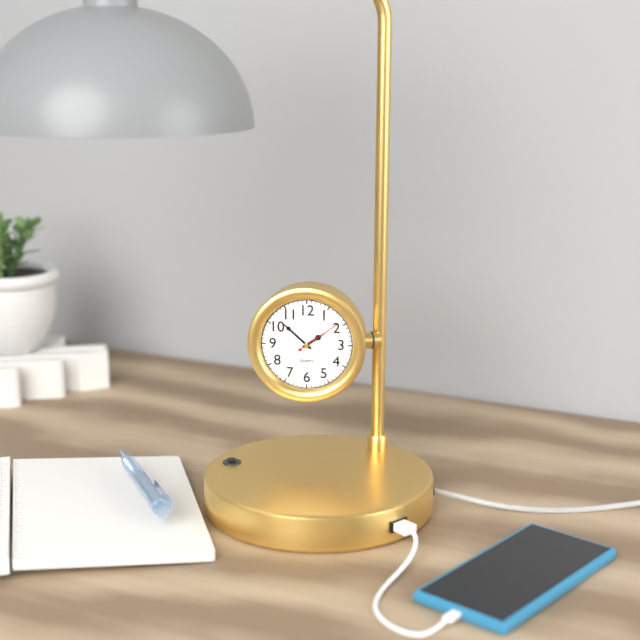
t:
1:52
